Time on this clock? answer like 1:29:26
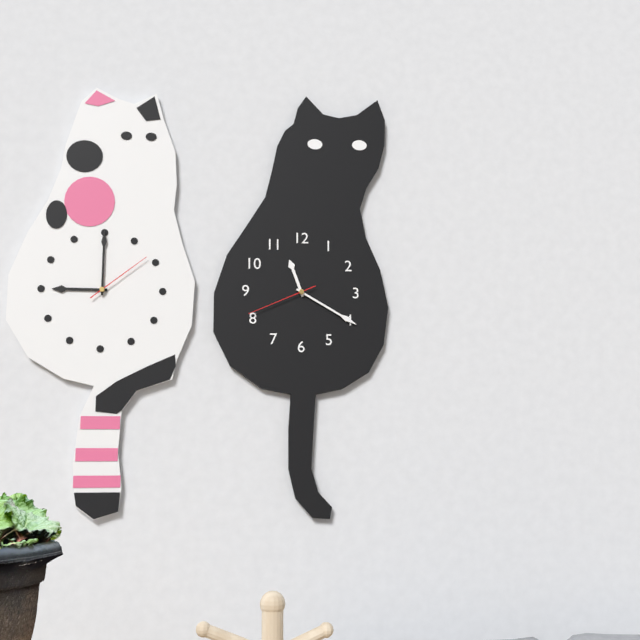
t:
11:20:41
